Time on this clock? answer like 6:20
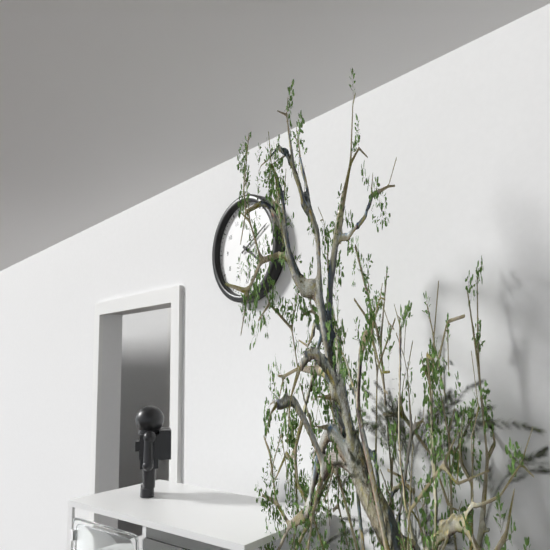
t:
4:10
